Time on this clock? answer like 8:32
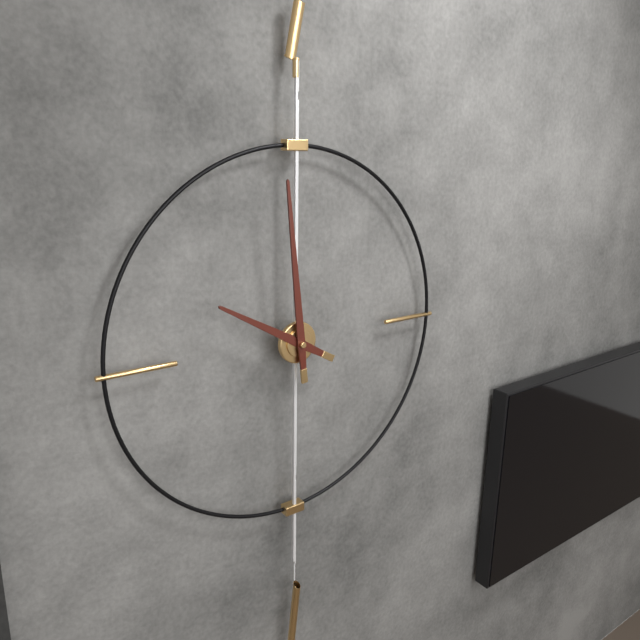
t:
9:59
